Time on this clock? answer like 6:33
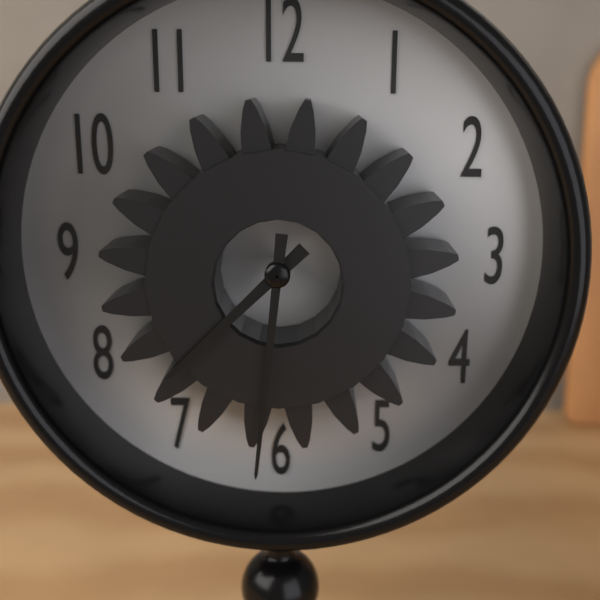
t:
7:31
